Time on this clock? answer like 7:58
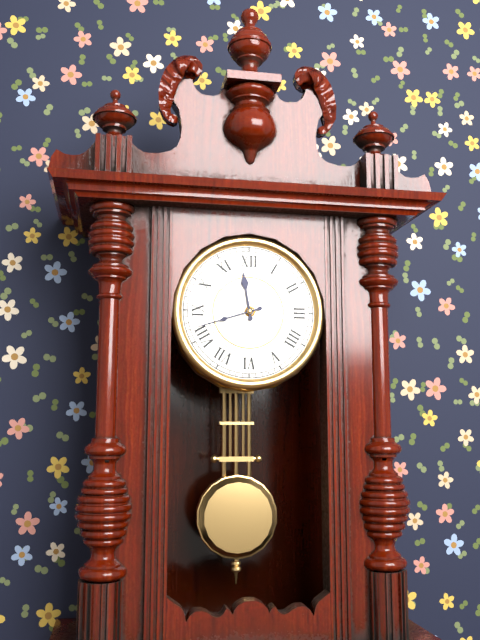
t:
11:42
